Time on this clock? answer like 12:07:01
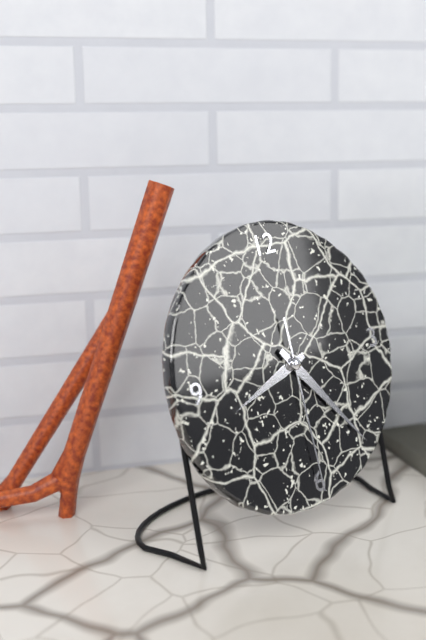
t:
8:24:30
